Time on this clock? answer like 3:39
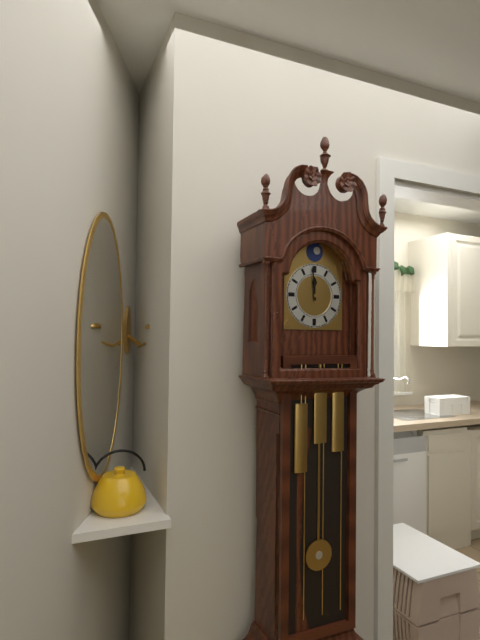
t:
11:59
